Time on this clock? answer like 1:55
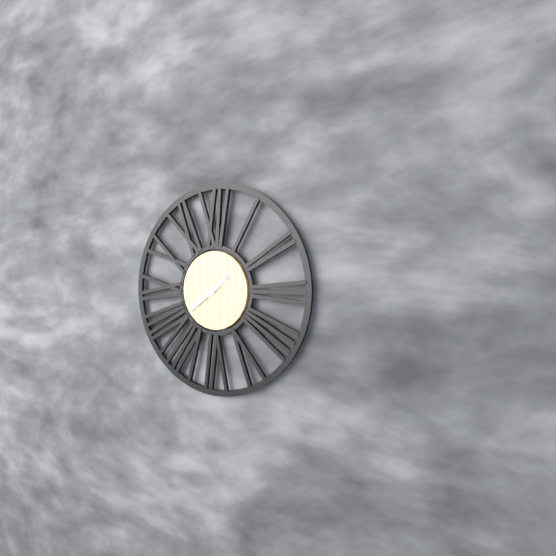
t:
1:39
